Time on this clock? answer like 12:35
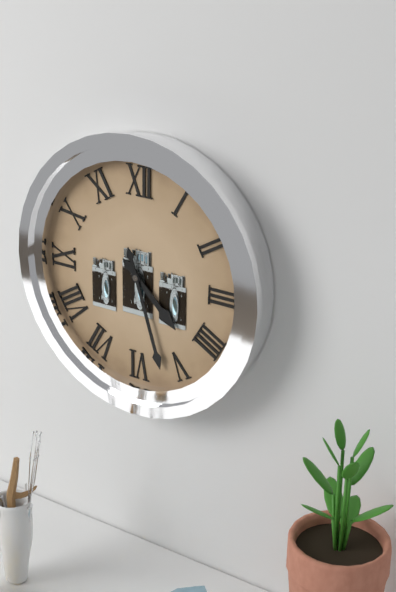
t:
4:27
